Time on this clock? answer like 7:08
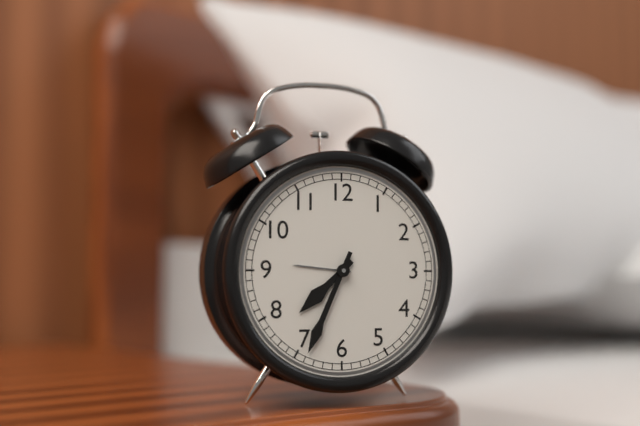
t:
7:34
